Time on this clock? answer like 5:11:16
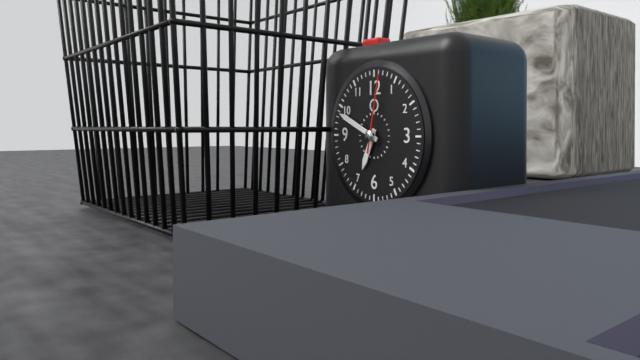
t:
6:49:02
